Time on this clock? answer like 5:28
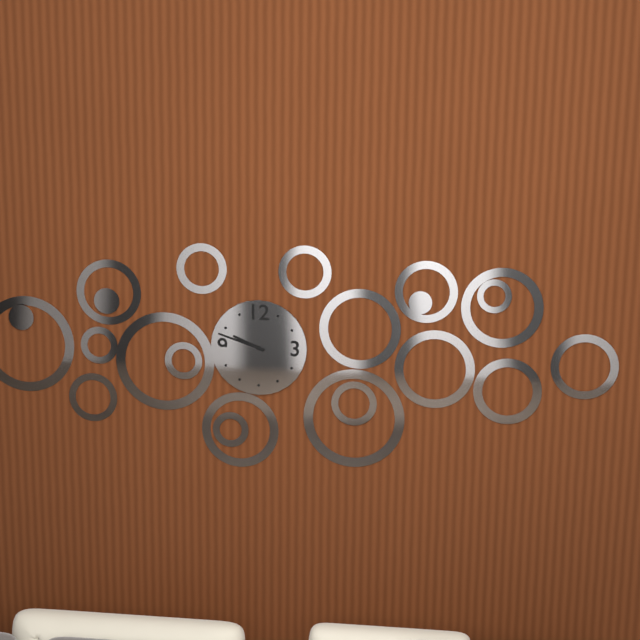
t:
9:48
